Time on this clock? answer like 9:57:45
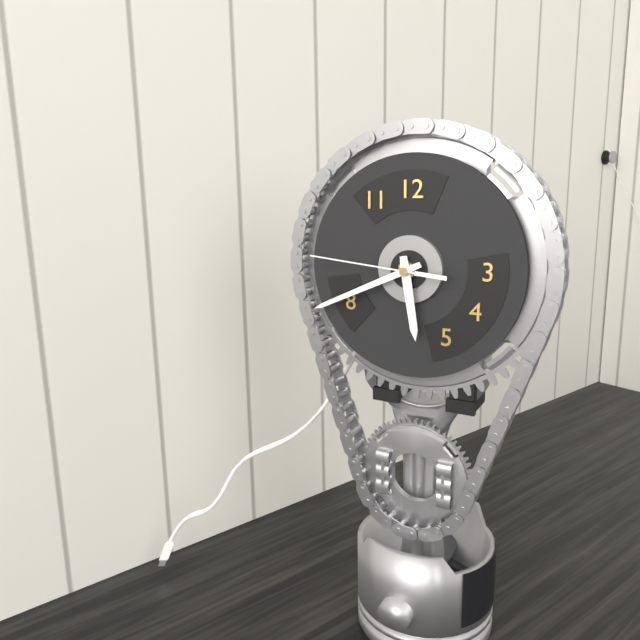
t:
5:41:46
